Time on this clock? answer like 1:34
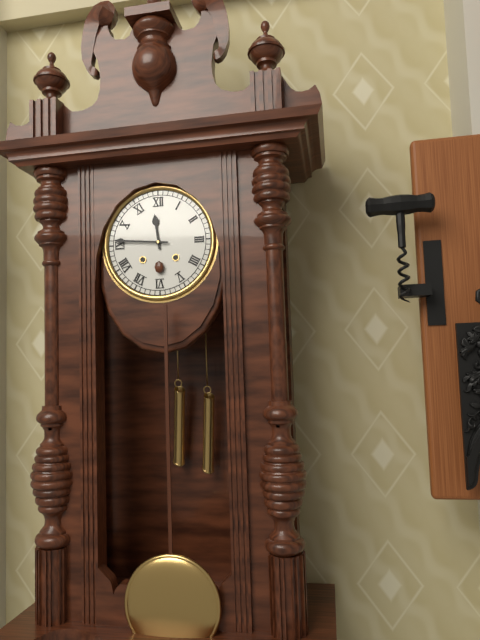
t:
11:46
